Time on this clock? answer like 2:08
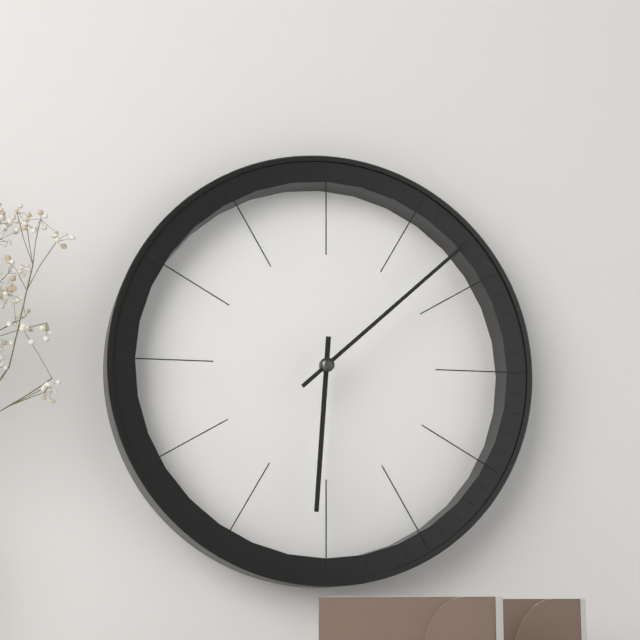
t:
6:08
